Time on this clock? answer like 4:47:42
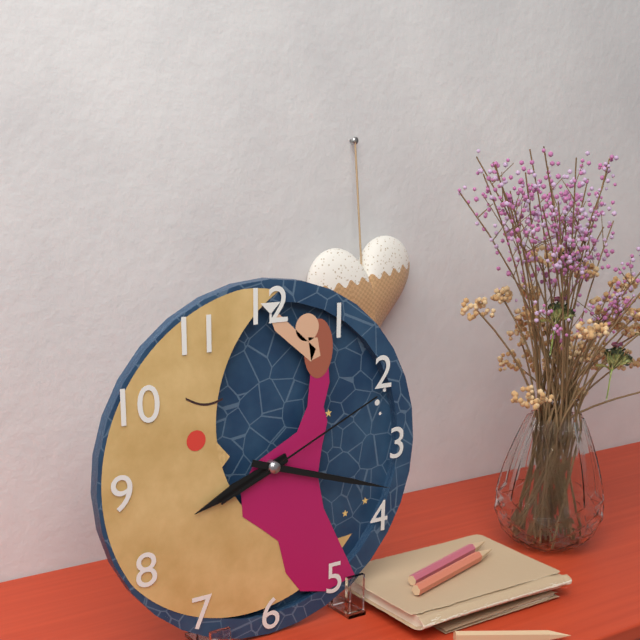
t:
8:18:11
